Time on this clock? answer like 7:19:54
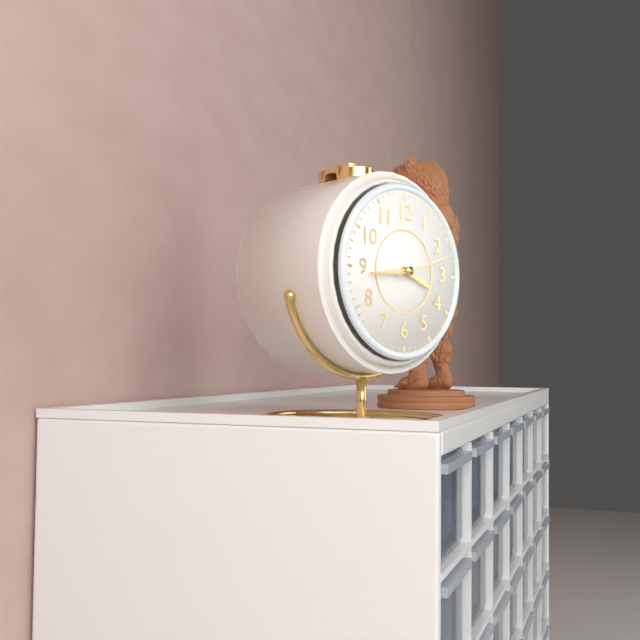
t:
3:44:12
